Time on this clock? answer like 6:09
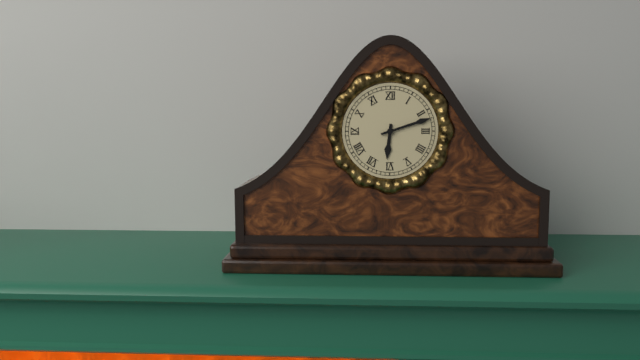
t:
6:12
